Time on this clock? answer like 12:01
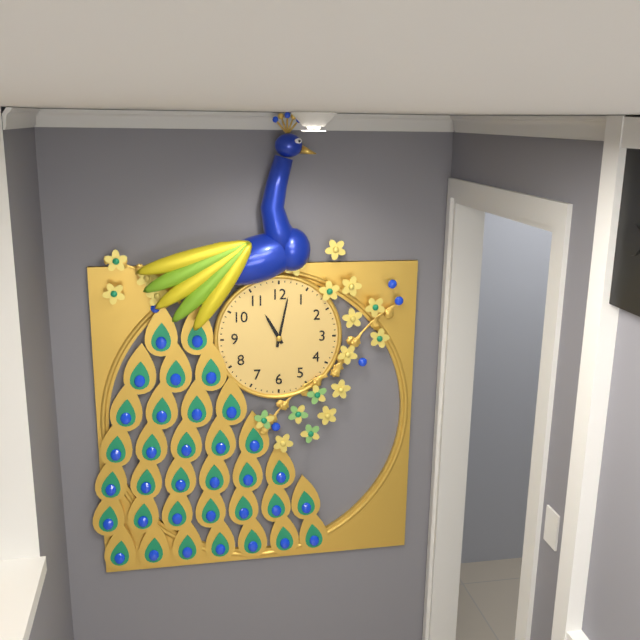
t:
11:02
